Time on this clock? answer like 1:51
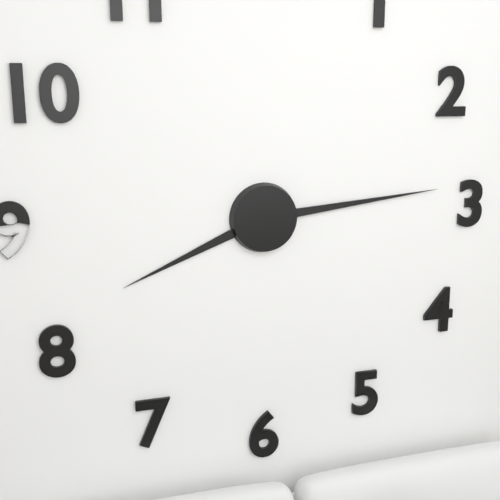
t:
8:14
